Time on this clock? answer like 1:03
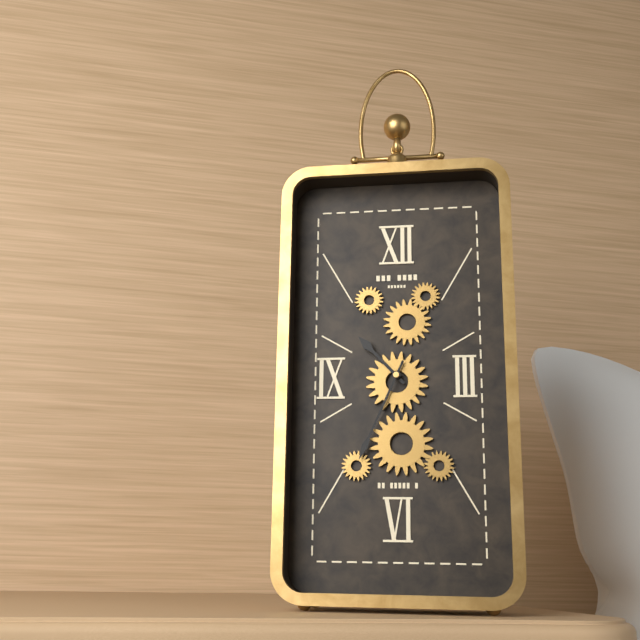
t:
10:34
